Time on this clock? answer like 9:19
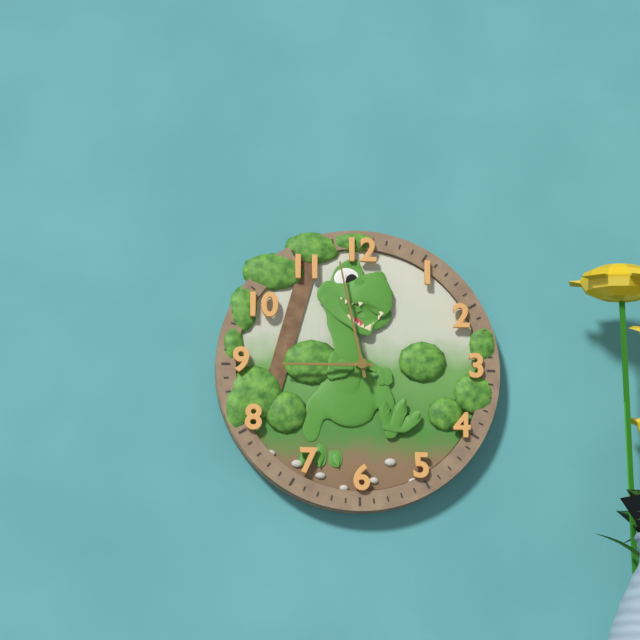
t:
8:58
